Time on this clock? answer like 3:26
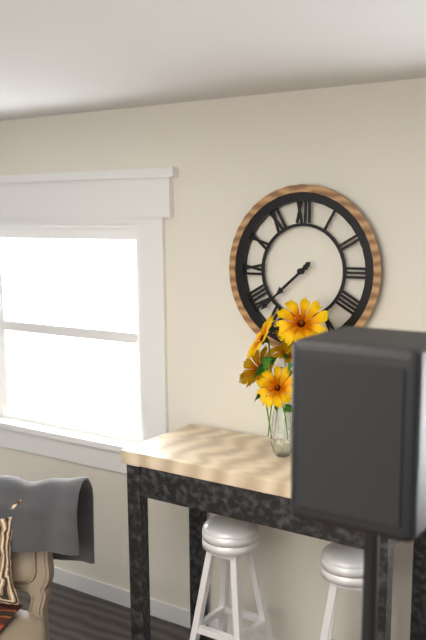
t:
7:38
